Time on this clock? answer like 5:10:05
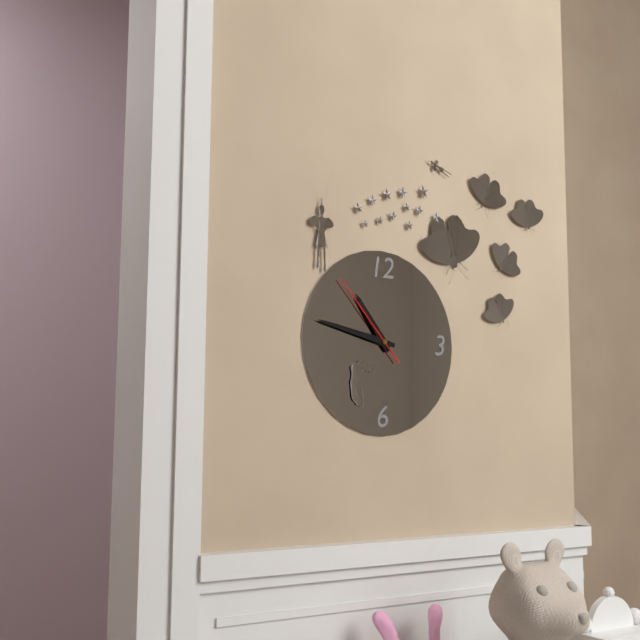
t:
10:47:53
